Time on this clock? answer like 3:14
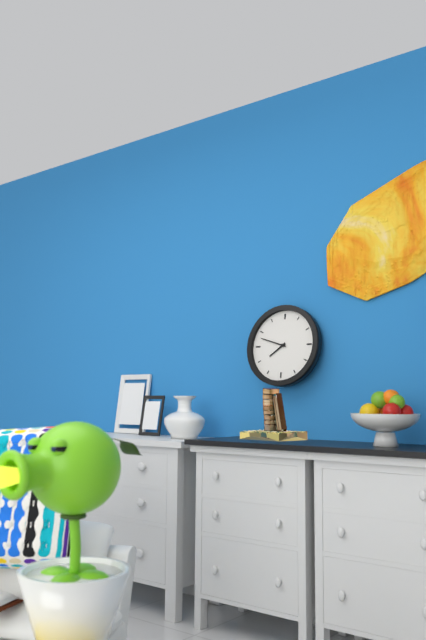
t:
7:48
